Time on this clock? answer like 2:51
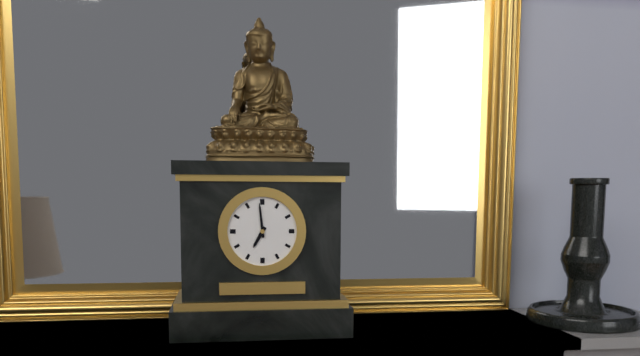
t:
6:59
